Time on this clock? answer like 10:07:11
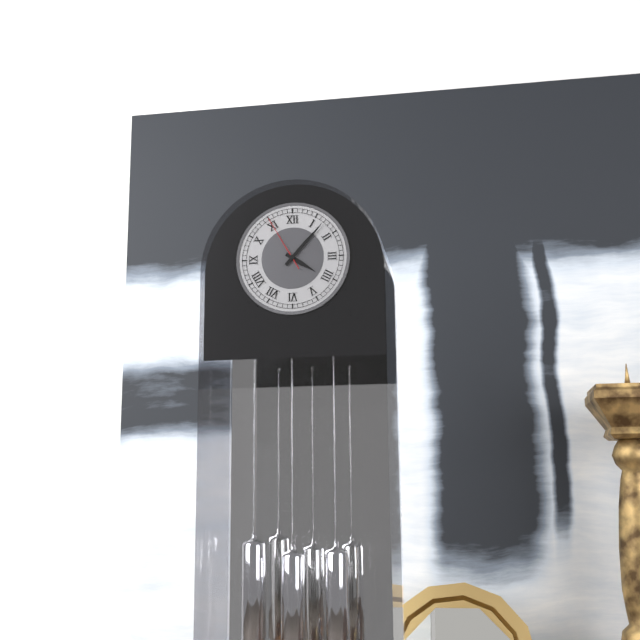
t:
4:07:55
